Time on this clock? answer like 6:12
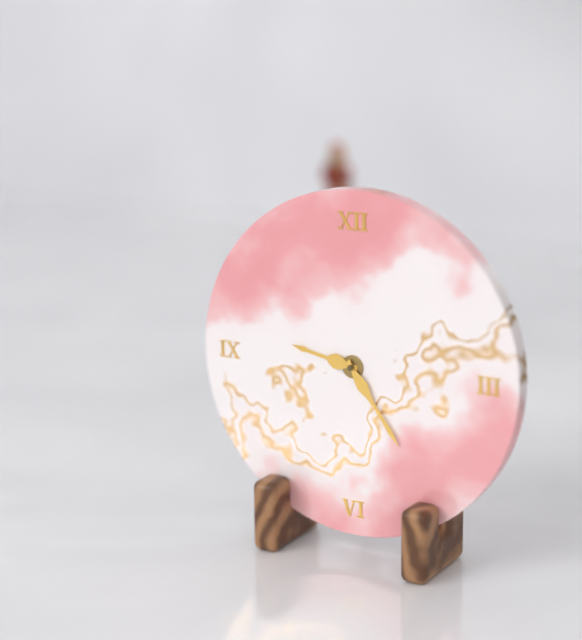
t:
9:24
